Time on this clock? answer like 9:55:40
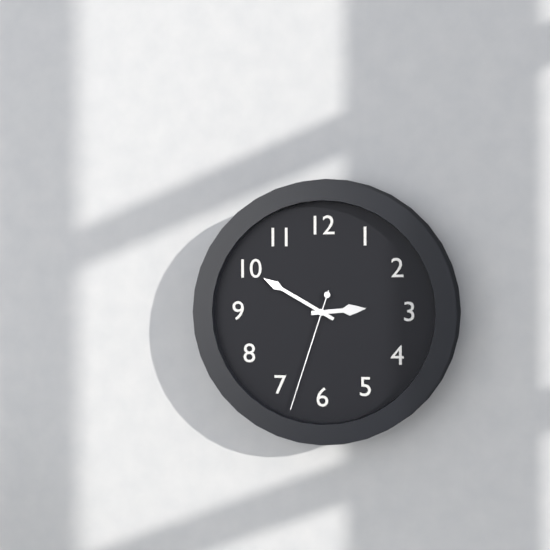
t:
2:50:33
